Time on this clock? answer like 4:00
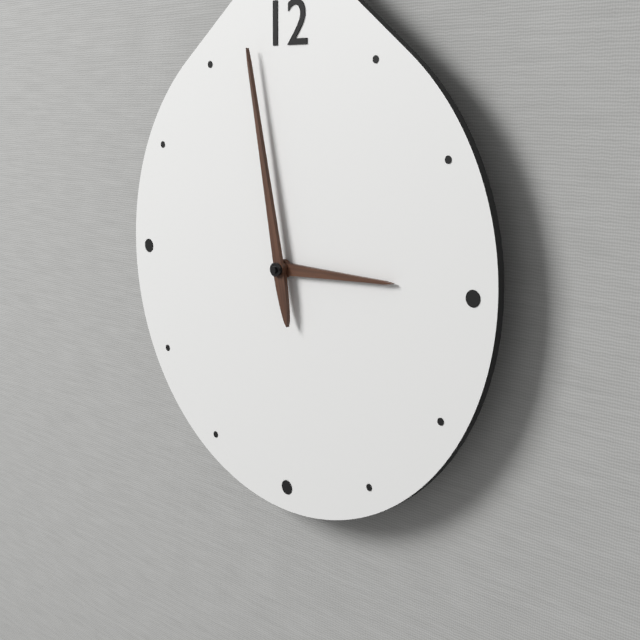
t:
2:58
